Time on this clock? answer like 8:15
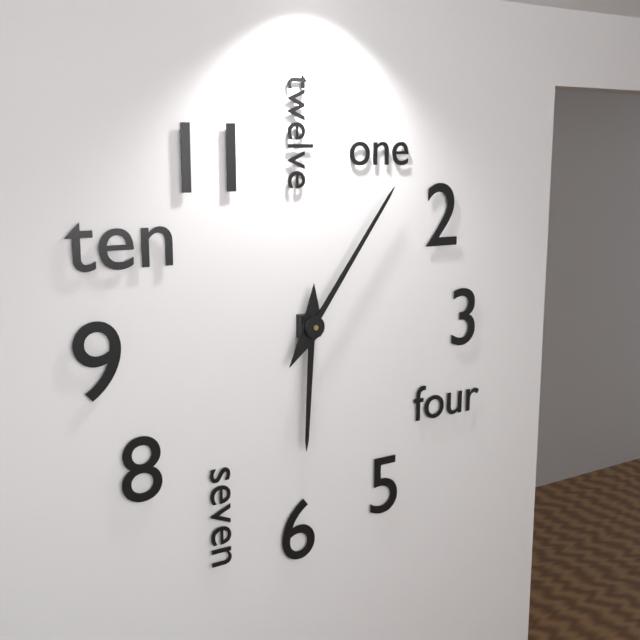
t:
6:06
